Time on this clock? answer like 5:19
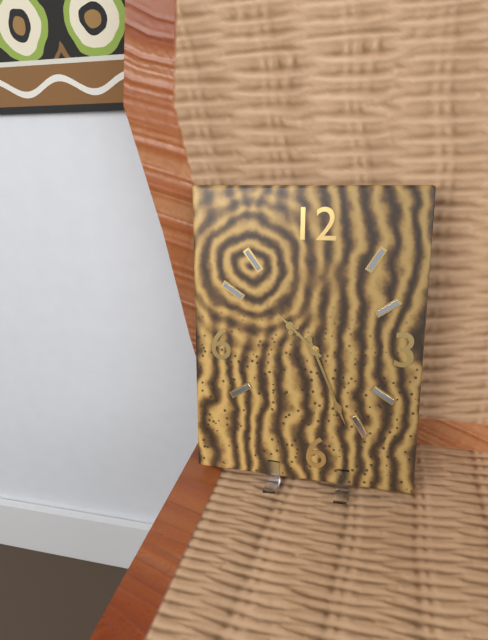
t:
10:26
